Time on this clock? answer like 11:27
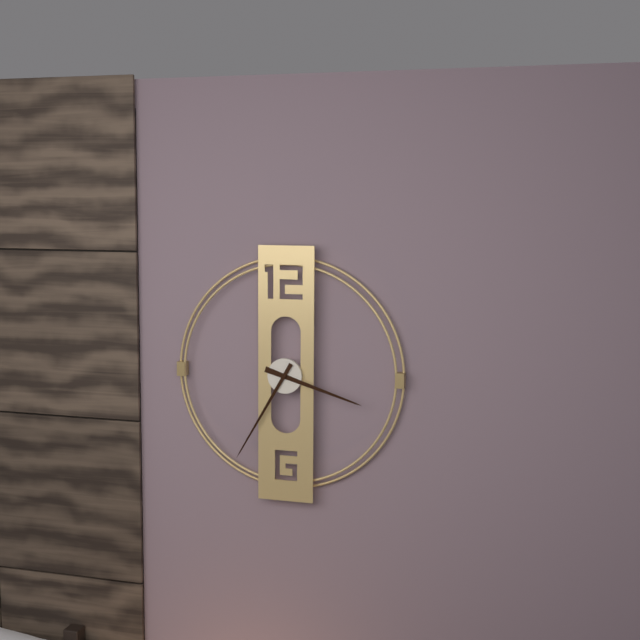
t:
3:35
